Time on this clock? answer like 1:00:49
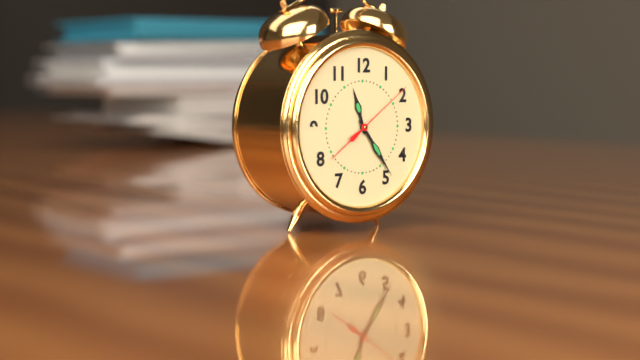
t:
11:24:09
